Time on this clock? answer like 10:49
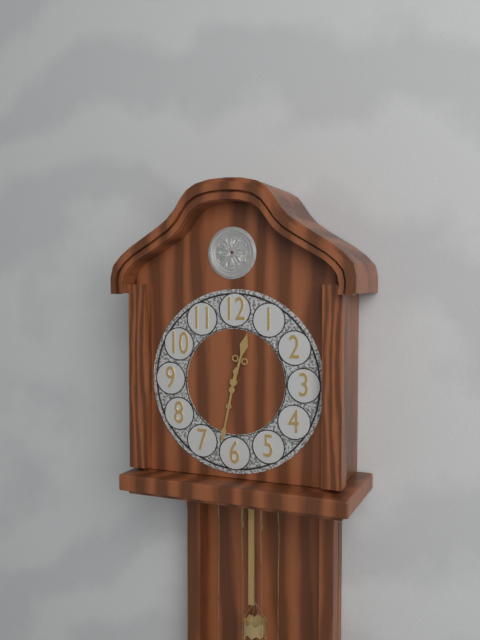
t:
12:32
